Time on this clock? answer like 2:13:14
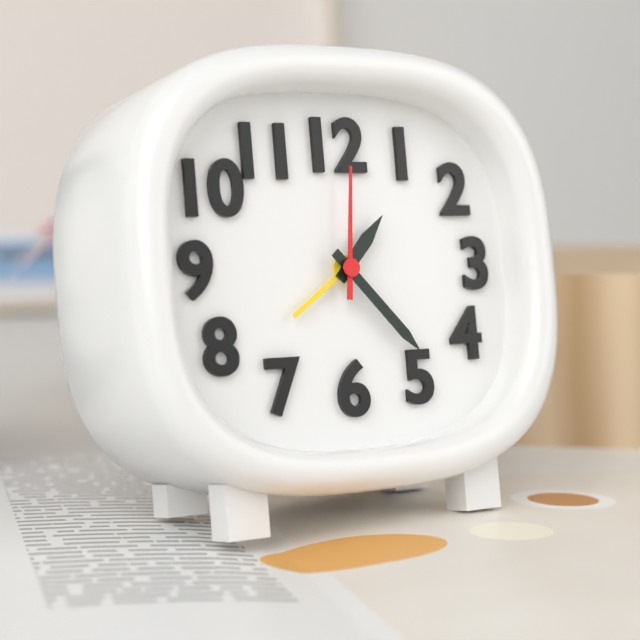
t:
1:23:01
